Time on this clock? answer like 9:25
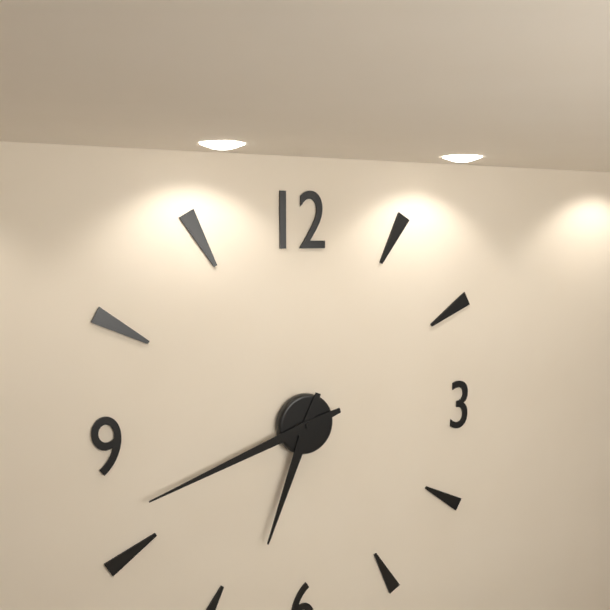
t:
6:42
